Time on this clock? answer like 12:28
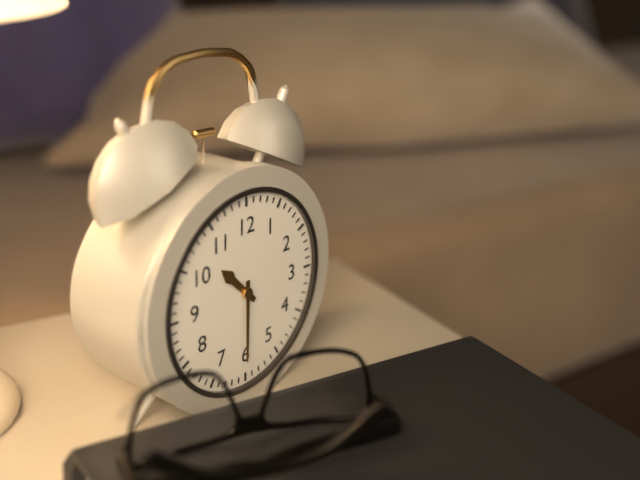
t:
10:30
